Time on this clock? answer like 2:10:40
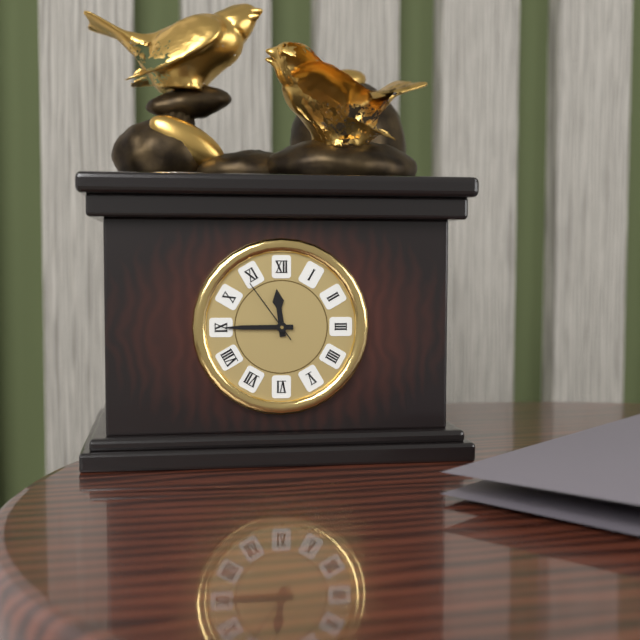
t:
11:45:54
